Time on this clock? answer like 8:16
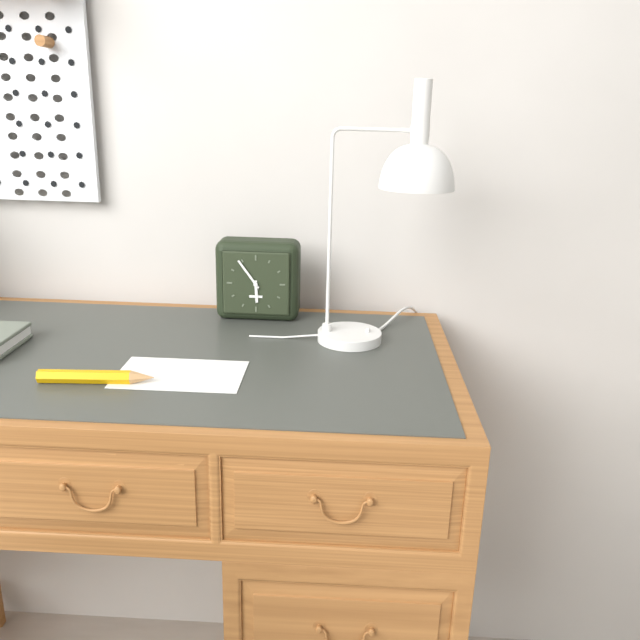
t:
5:54
